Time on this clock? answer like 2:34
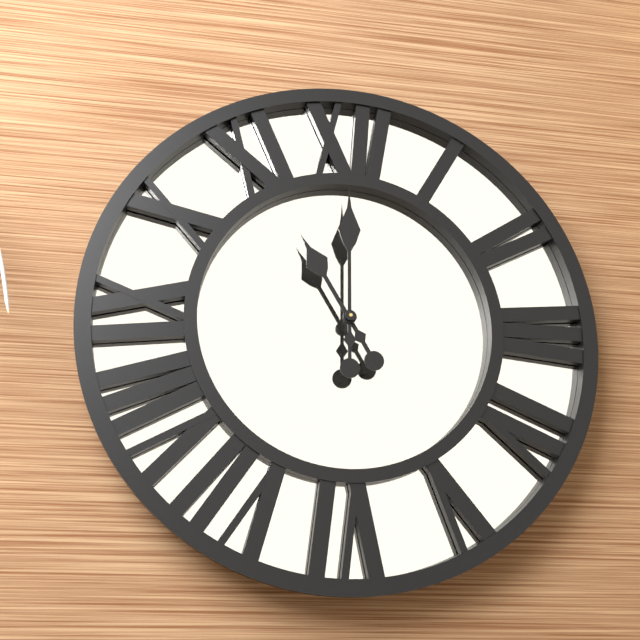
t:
11:00
